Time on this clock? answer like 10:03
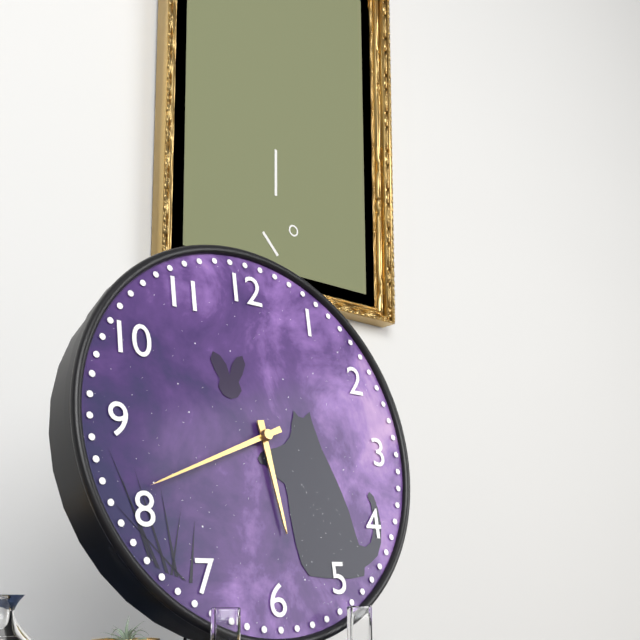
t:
5:41
